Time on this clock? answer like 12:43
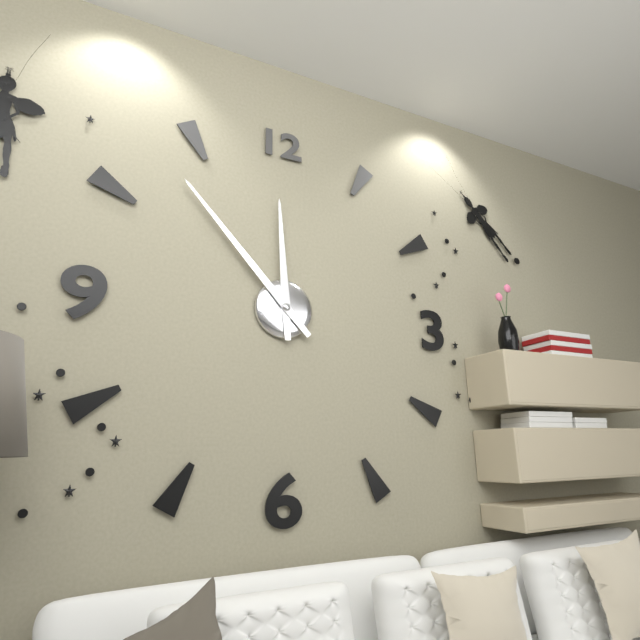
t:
11:53
